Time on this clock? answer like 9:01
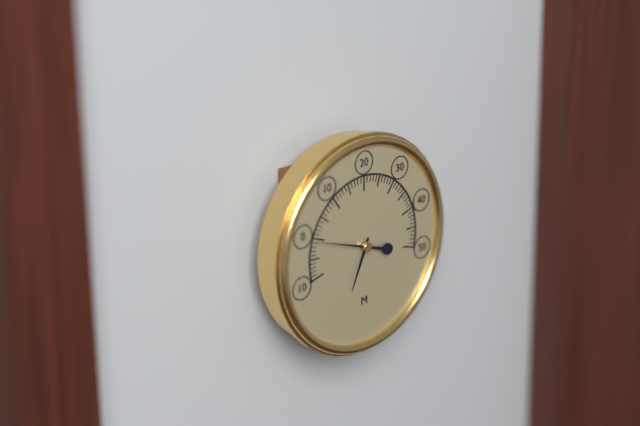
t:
6:48
